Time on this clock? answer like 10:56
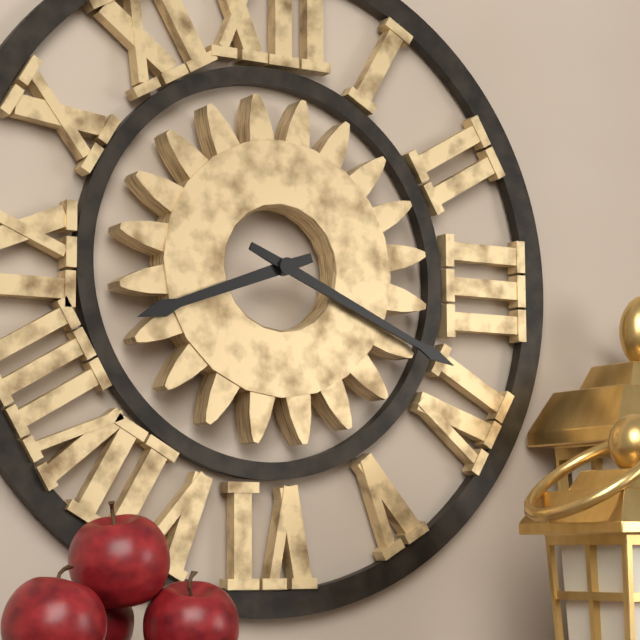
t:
8:19
